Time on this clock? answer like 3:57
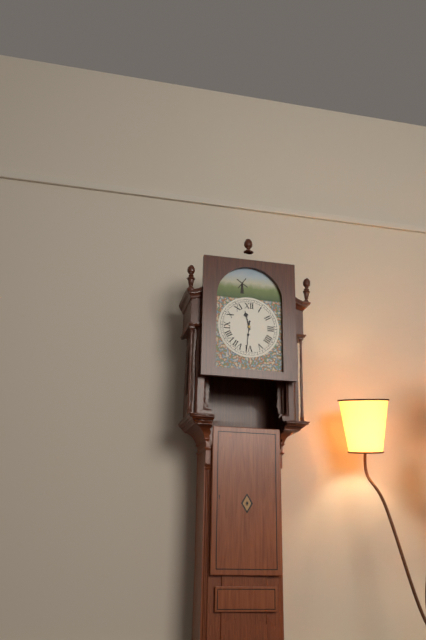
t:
11:31
